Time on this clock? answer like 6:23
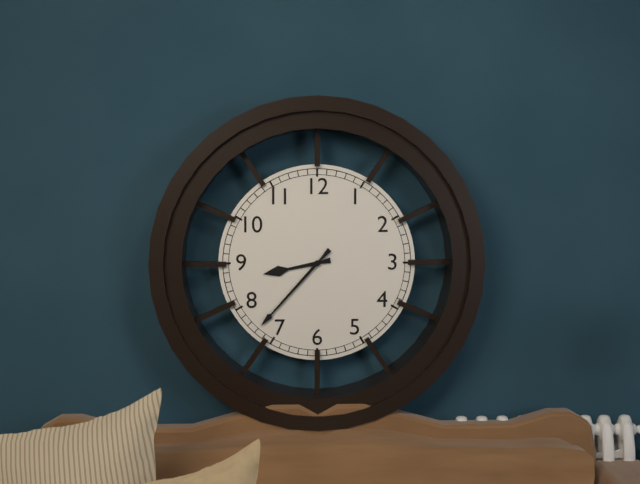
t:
8:37
